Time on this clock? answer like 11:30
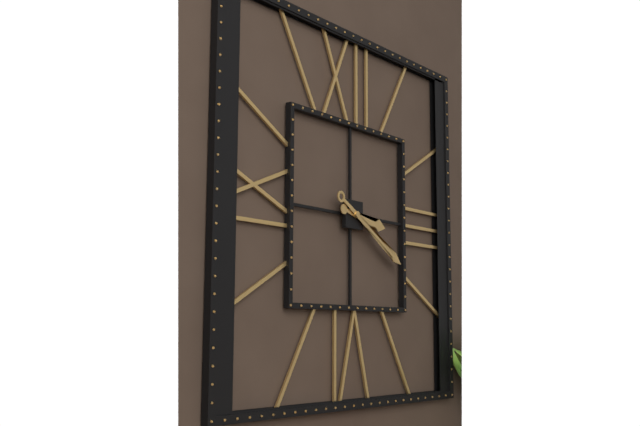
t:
3:20
